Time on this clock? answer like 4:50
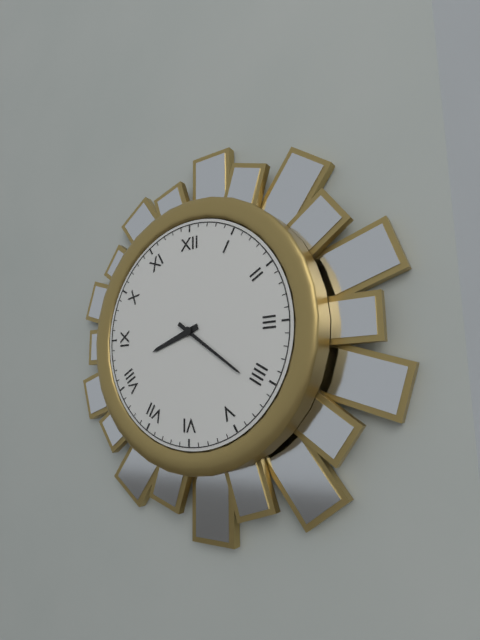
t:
8:21
